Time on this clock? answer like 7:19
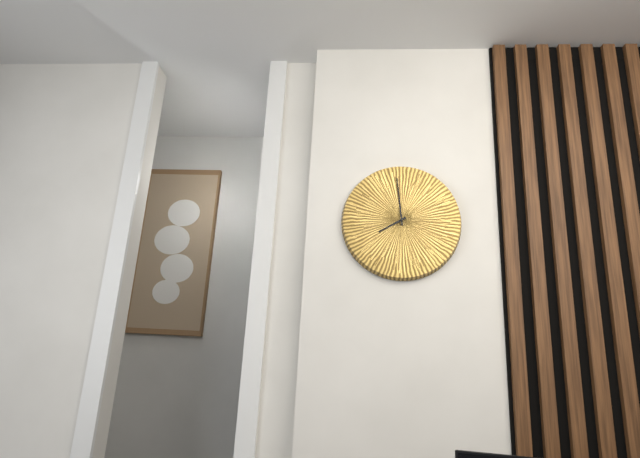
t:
7:59
